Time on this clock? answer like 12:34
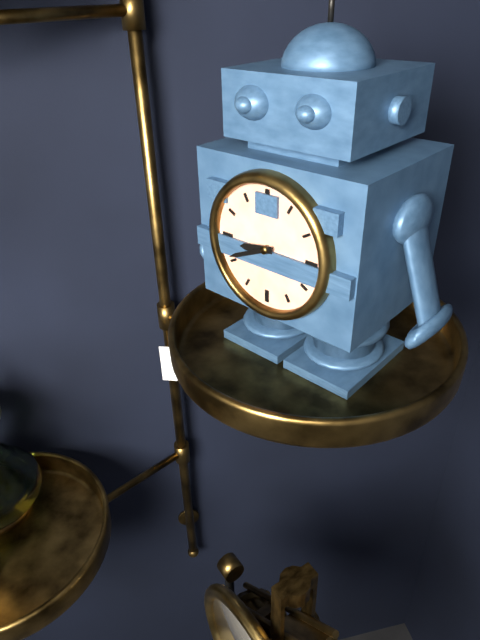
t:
8:41
